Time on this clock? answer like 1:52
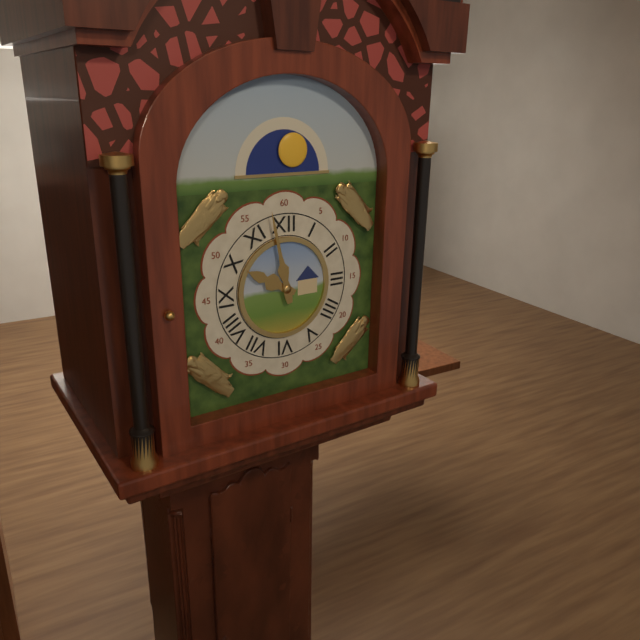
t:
9:58
